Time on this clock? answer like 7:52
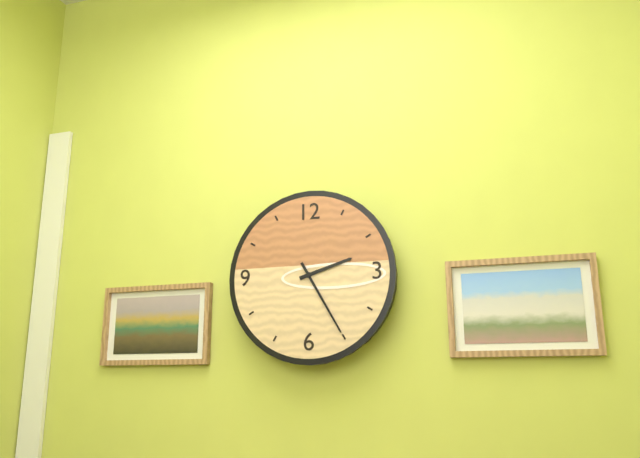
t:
2:25
